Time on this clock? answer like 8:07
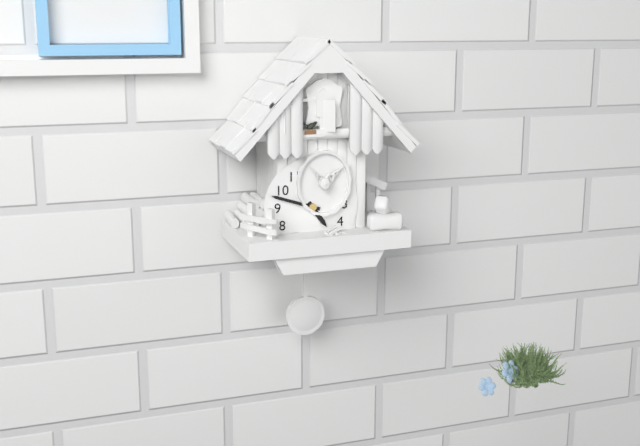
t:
4:48
